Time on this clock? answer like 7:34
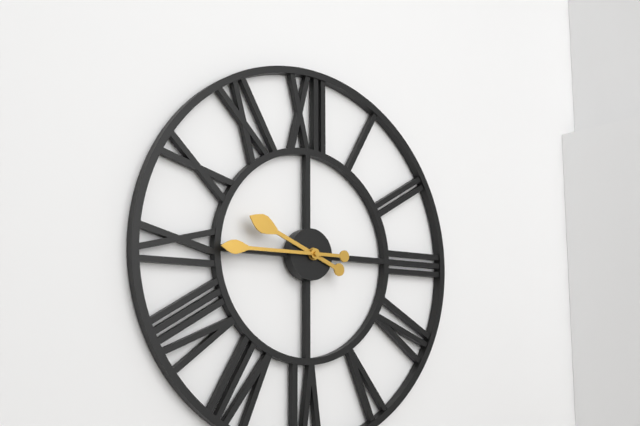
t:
9:45
